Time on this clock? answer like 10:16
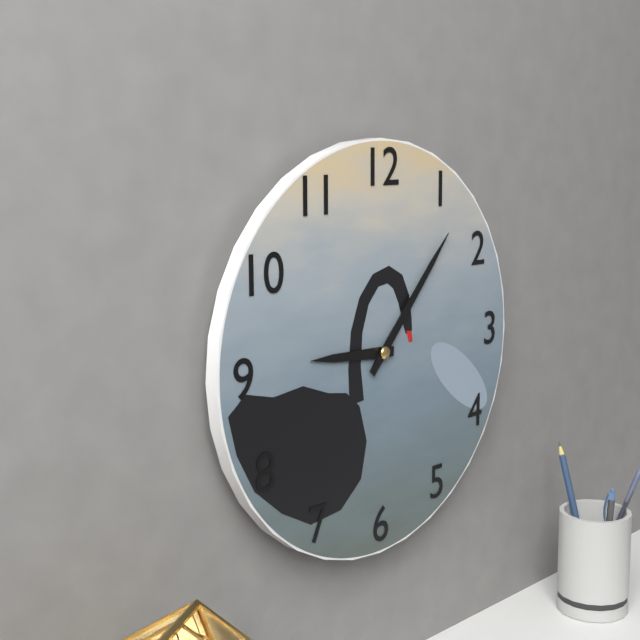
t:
9:07
